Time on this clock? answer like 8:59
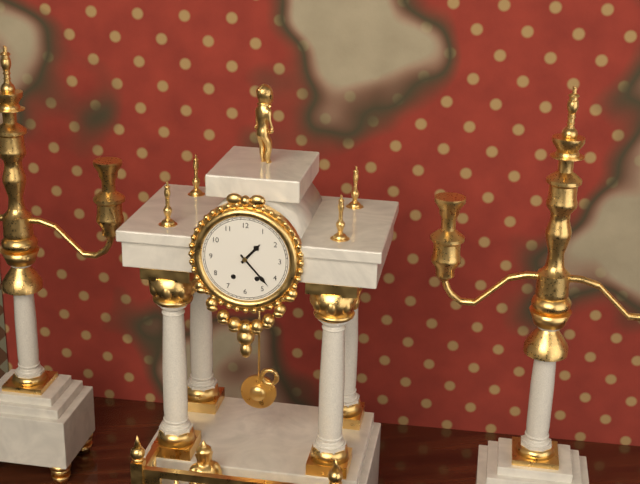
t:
1:23
